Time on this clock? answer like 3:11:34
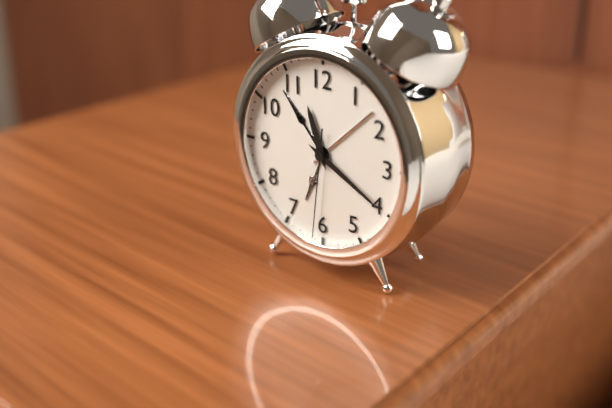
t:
11:20:31
